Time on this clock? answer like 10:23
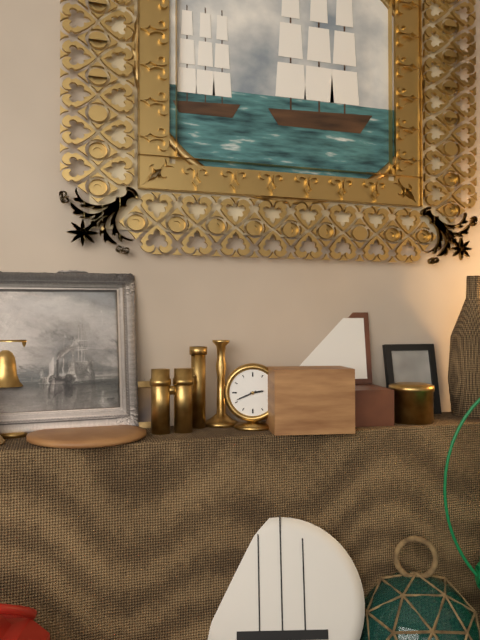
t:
2:41
